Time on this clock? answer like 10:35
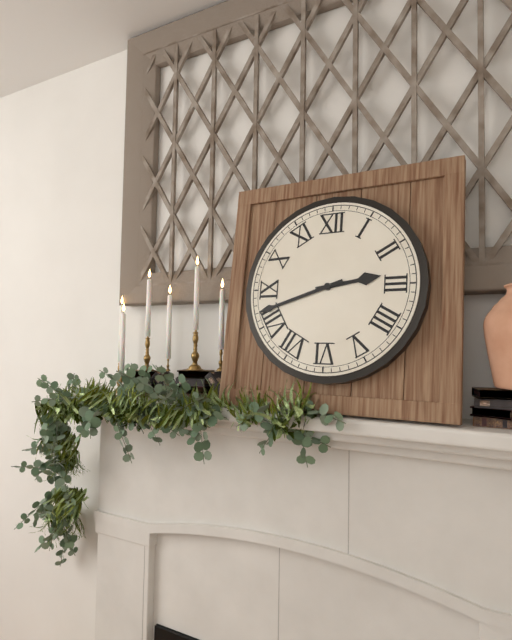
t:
2:42
